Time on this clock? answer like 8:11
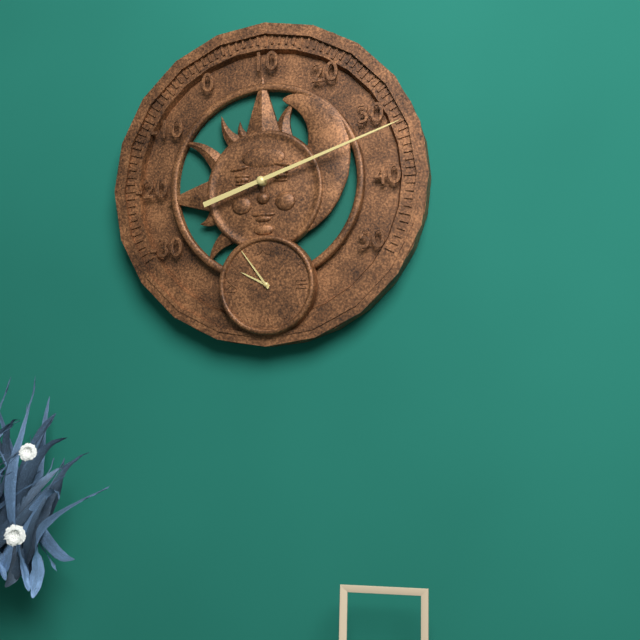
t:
9:54
